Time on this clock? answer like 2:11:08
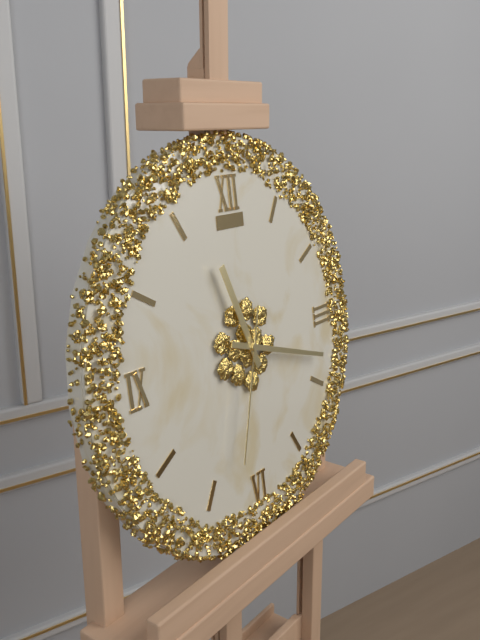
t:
11:18:33
